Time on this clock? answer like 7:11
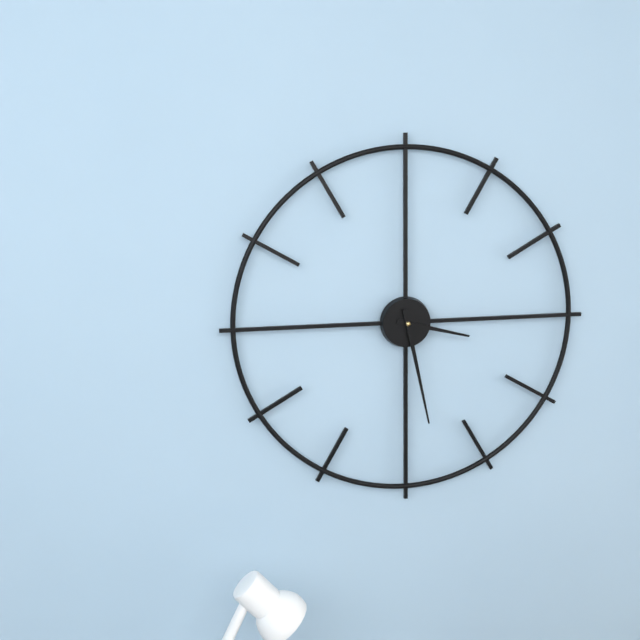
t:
3:28
